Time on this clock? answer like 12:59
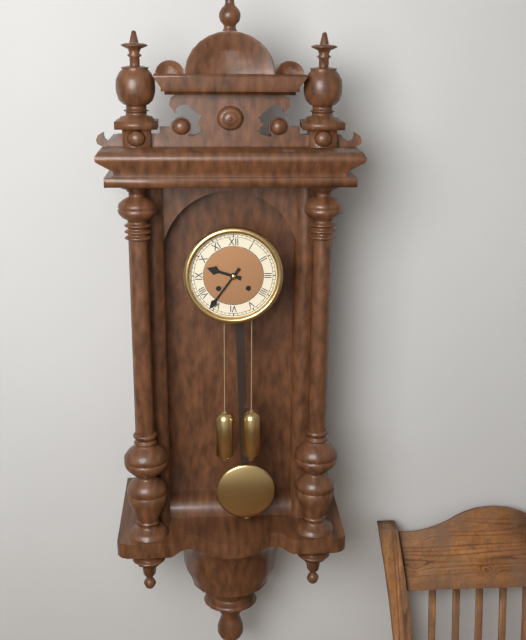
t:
9:36
